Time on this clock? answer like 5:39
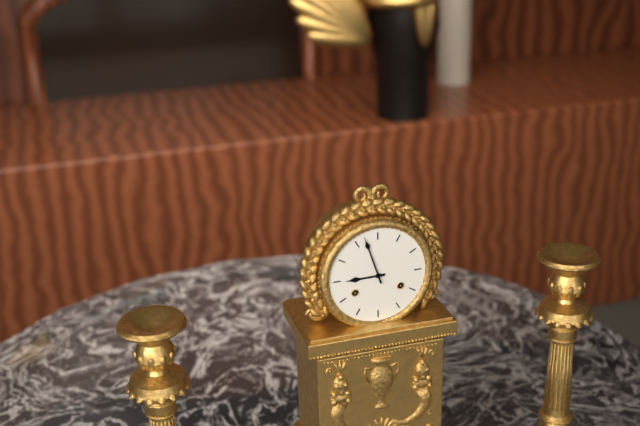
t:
8:57
